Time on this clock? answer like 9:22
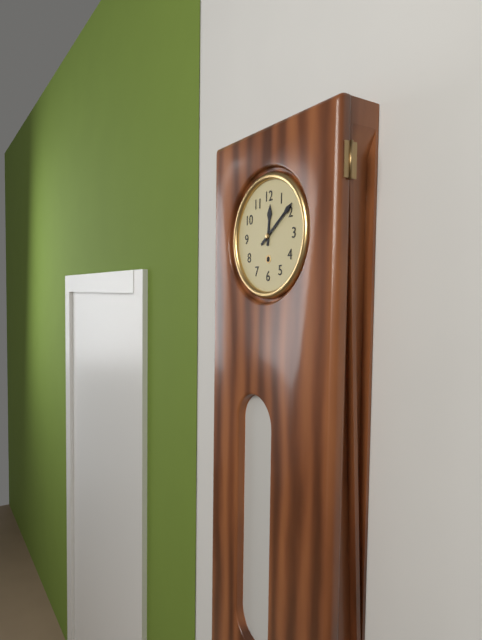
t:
12:09
